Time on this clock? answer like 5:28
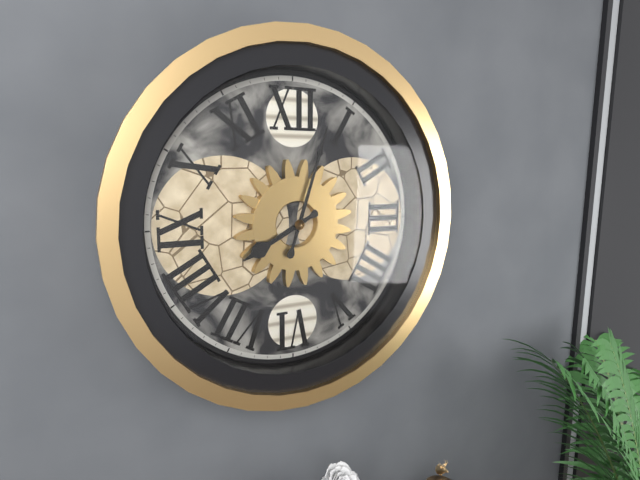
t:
8:03
